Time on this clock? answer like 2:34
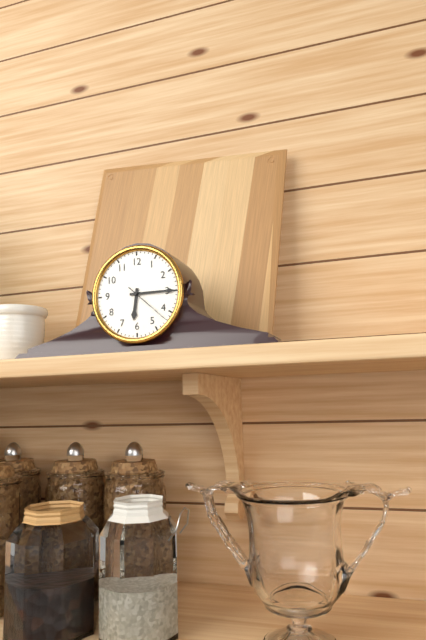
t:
6:15
